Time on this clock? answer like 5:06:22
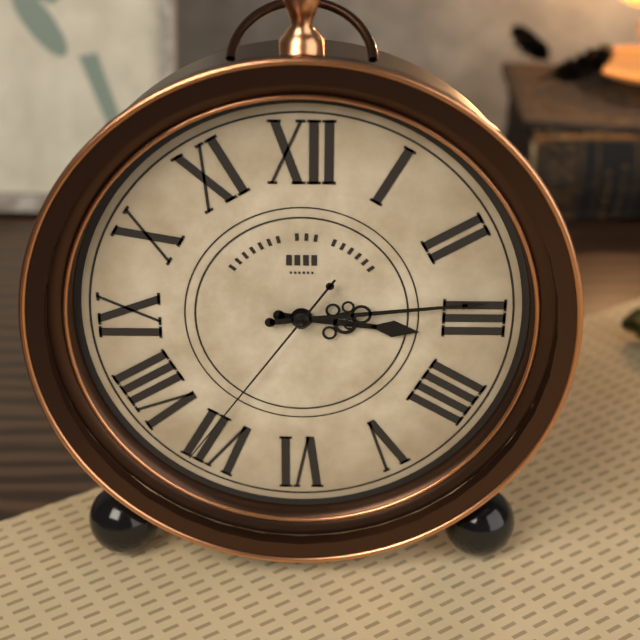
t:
3:14:36
